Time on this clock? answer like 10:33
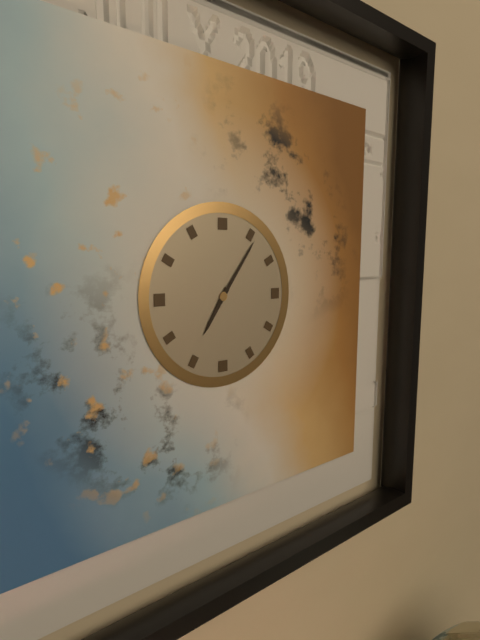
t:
7:06
